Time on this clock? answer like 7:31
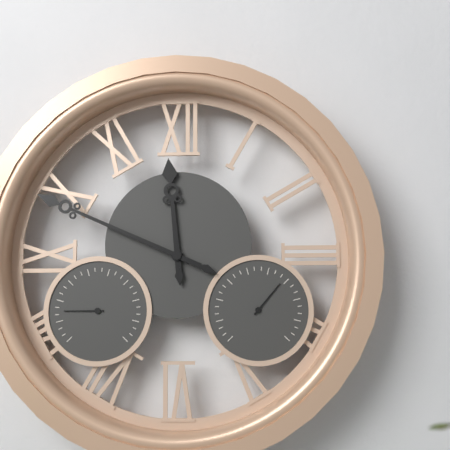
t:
11:49
